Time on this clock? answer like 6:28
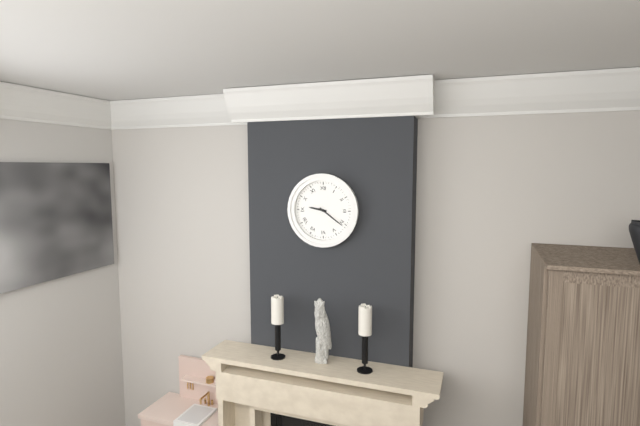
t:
9:21
